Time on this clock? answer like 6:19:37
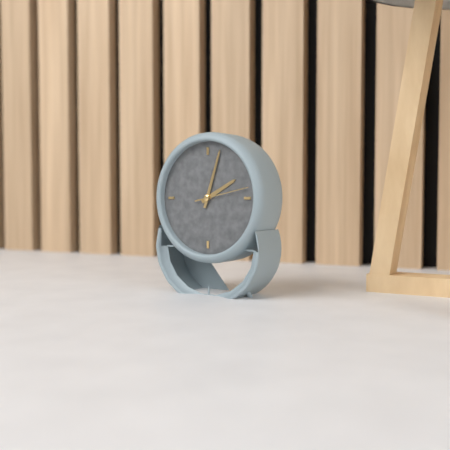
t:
2:03:13
